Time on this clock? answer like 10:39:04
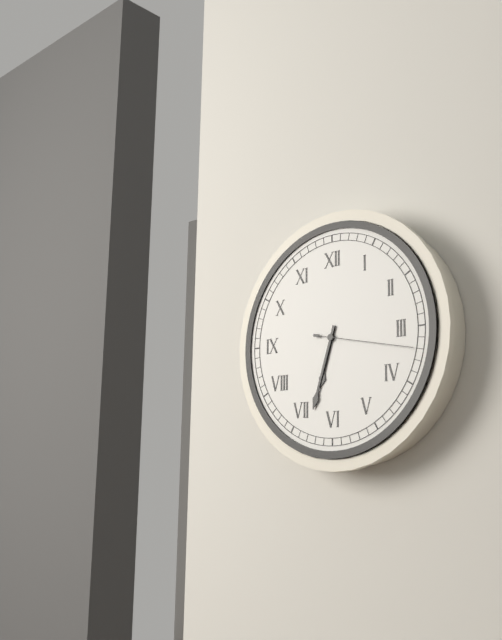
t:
6:33:17
